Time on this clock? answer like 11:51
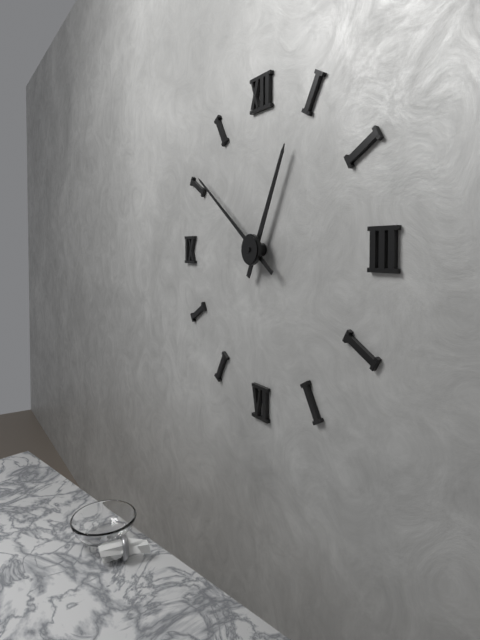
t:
12:51
